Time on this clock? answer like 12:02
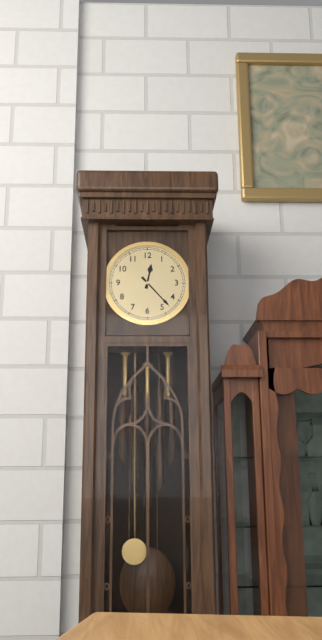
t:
12:23
